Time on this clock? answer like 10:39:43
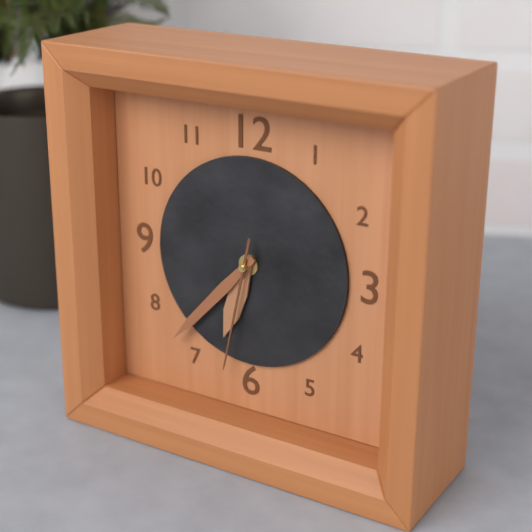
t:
6:37:32
